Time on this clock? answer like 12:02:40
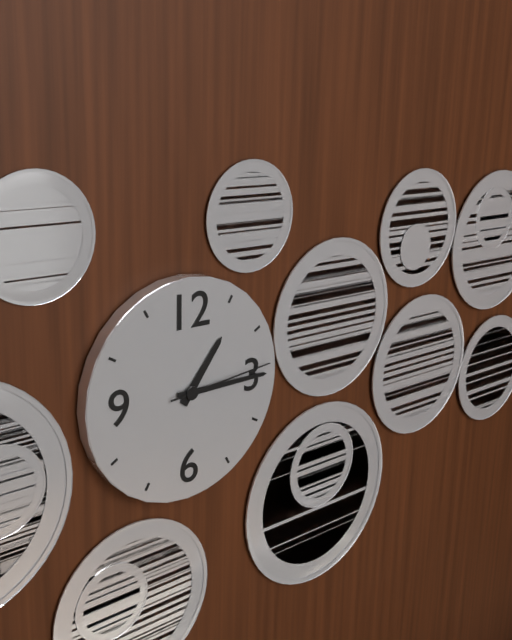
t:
1:15:14
